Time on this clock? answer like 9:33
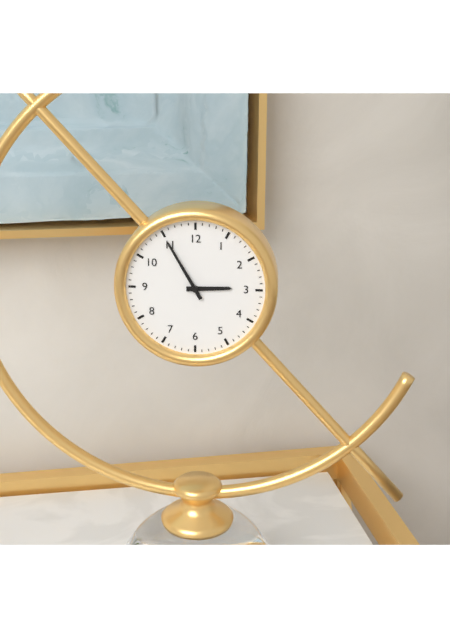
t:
2:55
